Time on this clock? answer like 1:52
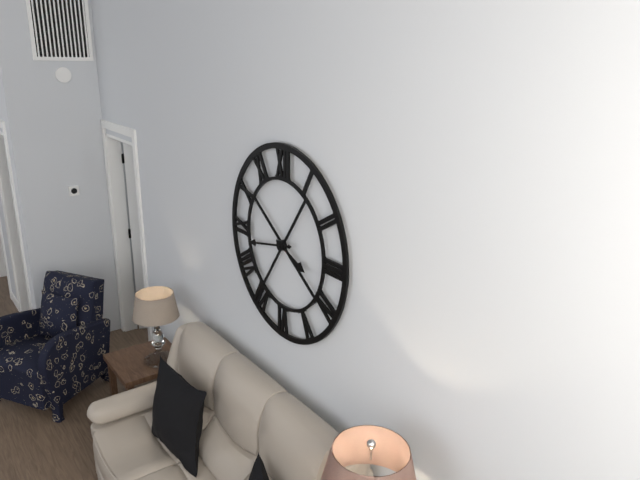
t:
3:43
